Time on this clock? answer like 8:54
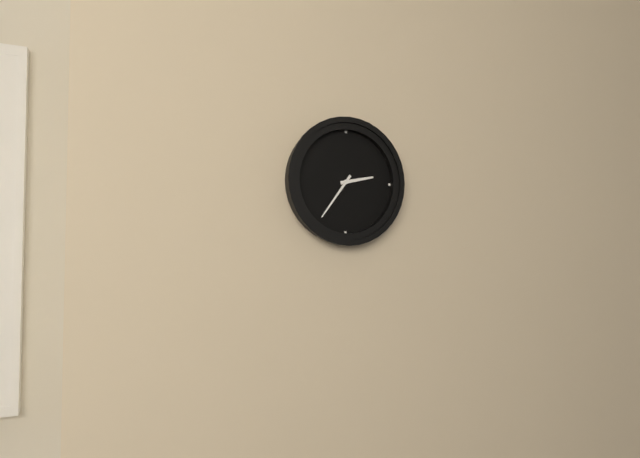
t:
2:36
